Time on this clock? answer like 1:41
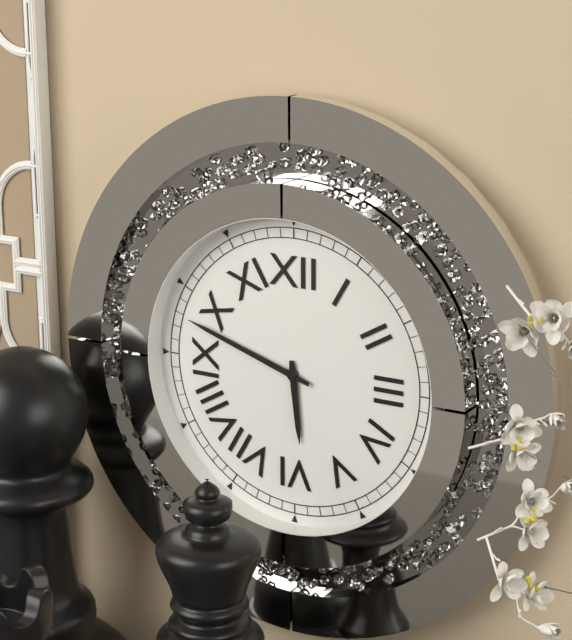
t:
5:48
